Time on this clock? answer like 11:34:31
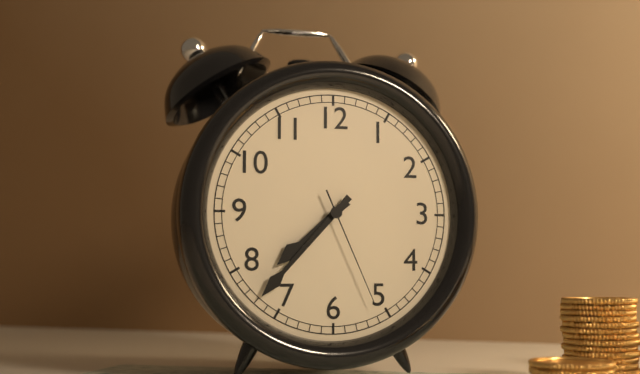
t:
7:37:26
